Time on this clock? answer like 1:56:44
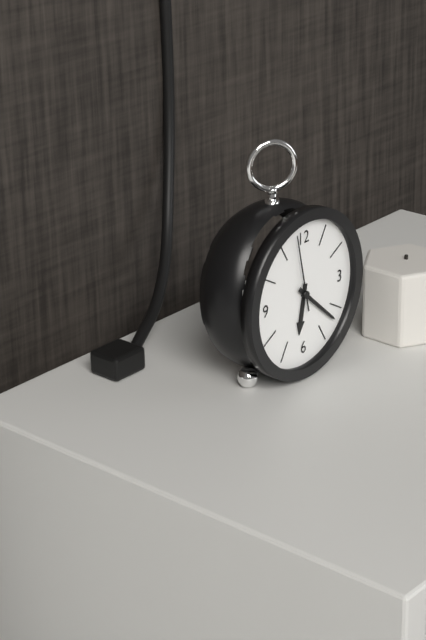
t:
6:22:58
